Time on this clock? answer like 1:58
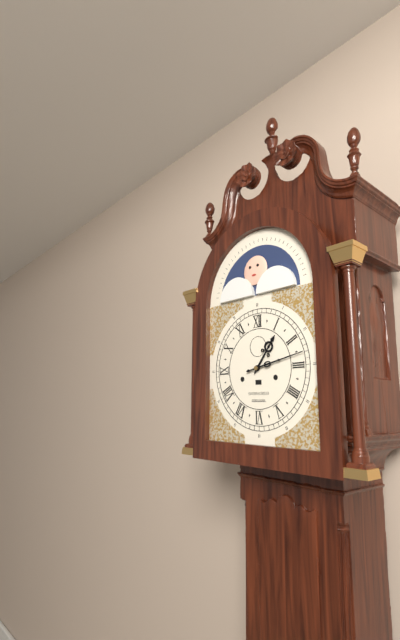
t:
1:13
